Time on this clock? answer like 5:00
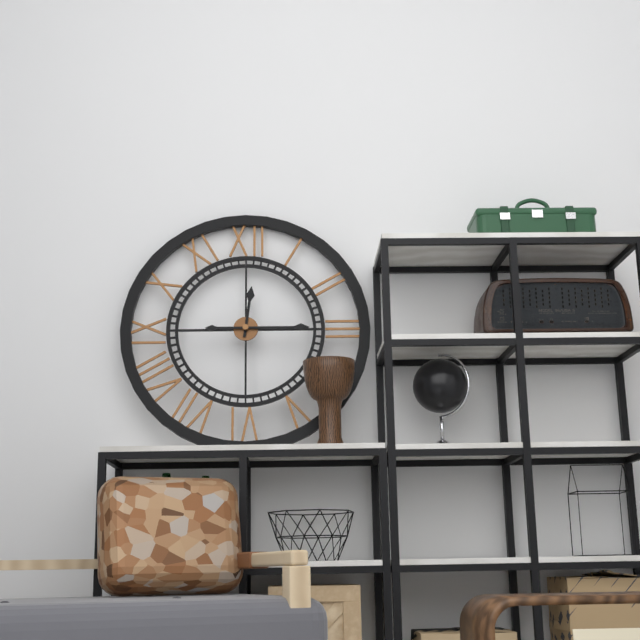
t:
12:15
